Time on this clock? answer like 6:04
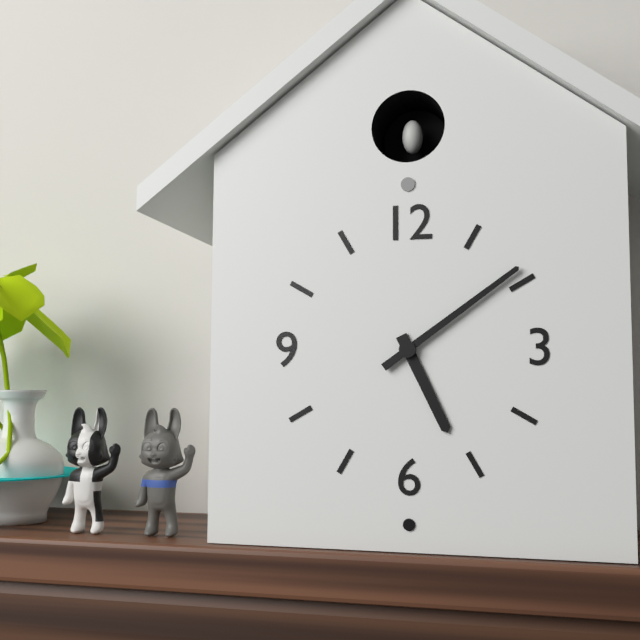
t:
5:09
